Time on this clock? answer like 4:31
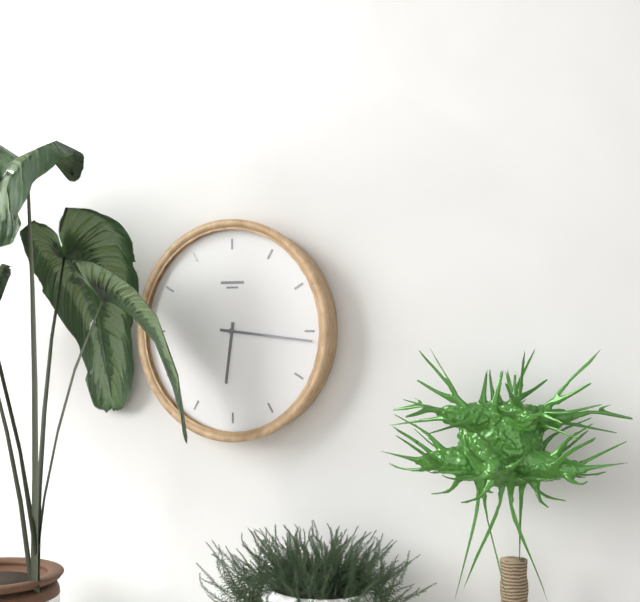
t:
6:16
